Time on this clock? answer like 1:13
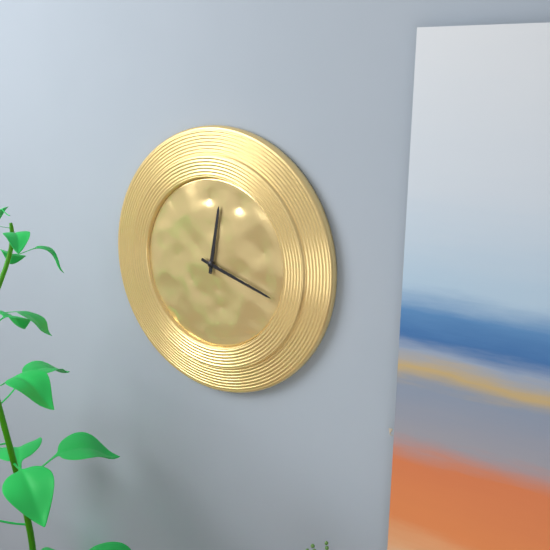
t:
12:18
